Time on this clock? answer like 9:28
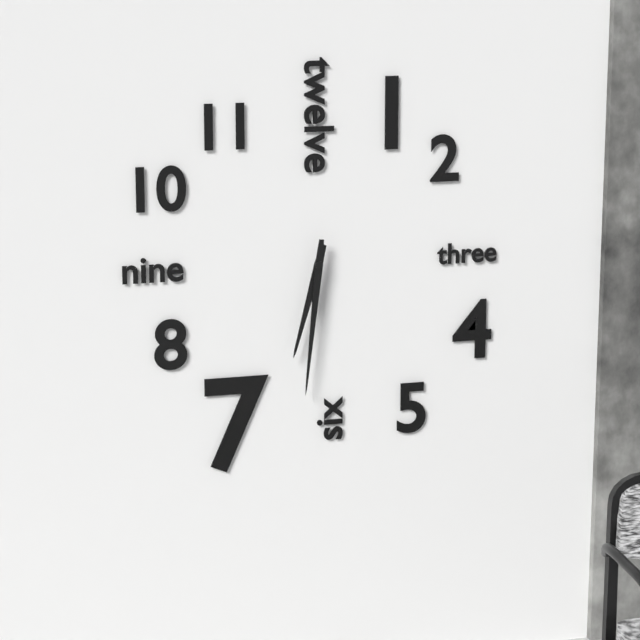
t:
6:31
